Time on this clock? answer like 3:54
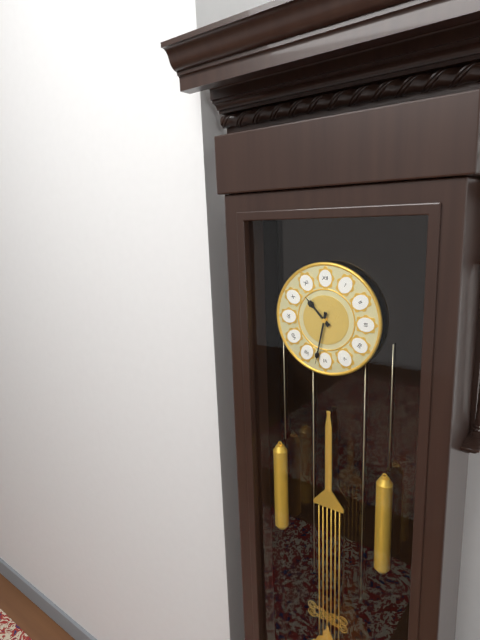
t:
10:32
